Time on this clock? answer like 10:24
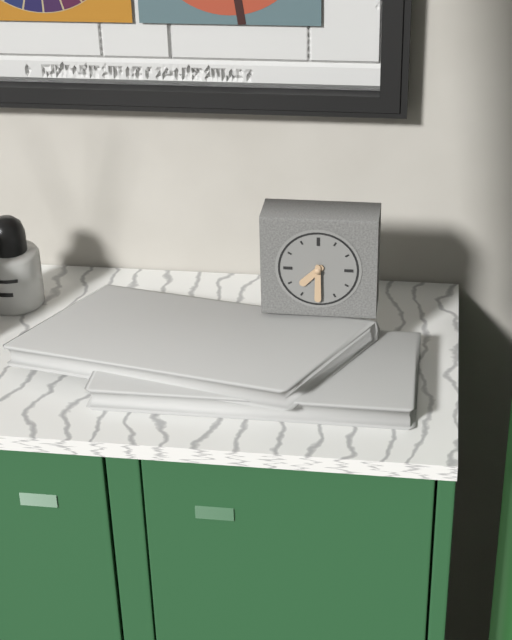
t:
7:30
